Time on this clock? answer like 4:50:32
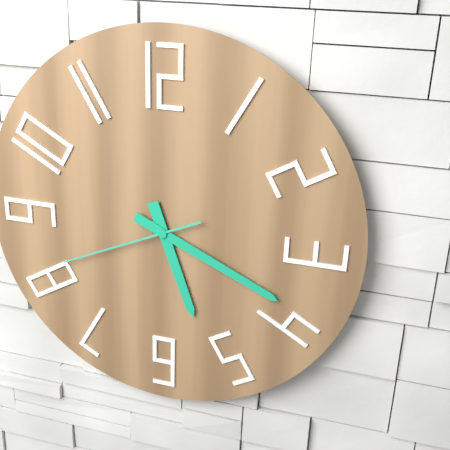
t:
5:19:41
